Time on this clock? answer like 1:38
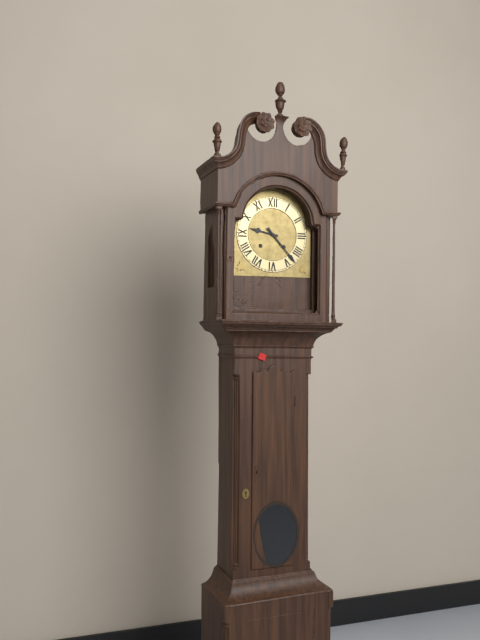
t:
9:23
